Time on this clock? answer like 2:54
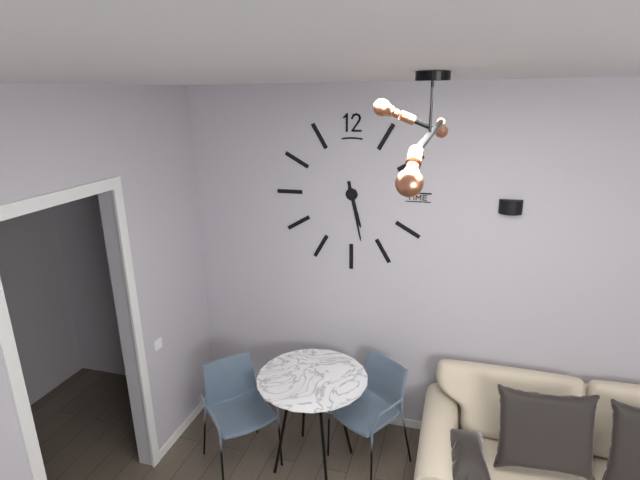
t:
5:28
